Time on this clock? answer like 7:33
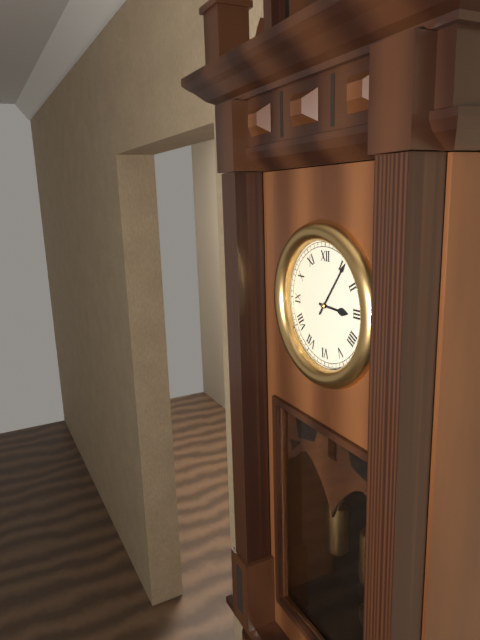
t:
3:06
